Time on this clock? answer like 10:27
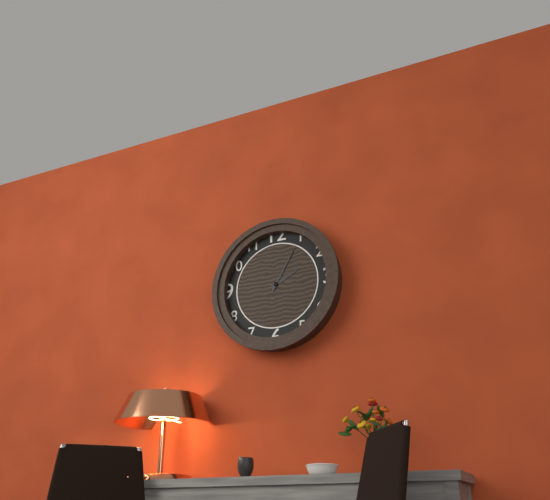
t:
2:05
